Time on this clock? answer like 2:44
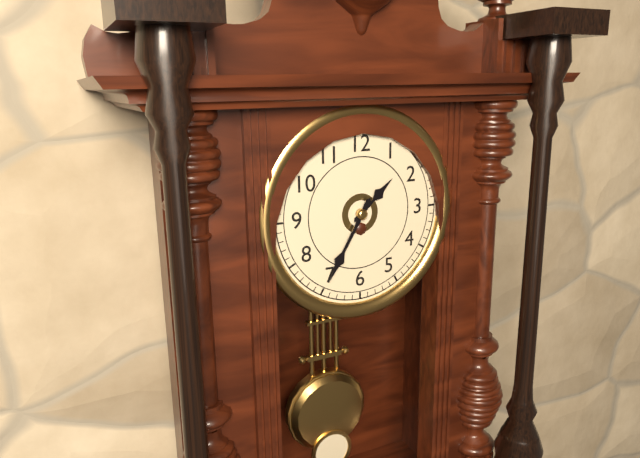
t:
1:35
